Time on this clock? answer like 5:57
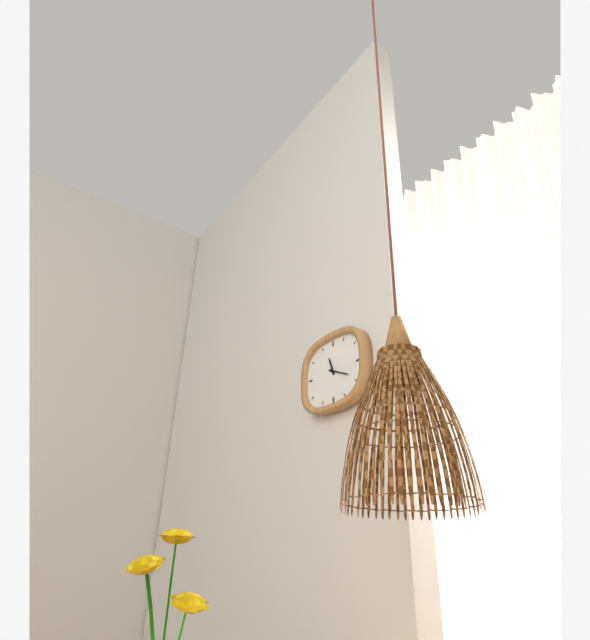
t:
11:19
